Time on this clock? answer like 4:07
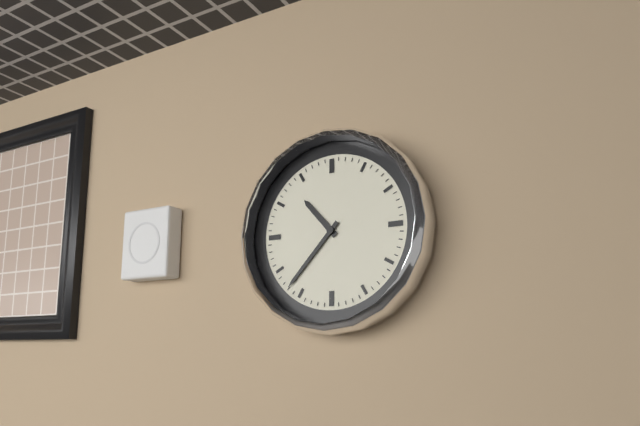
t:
10:37
